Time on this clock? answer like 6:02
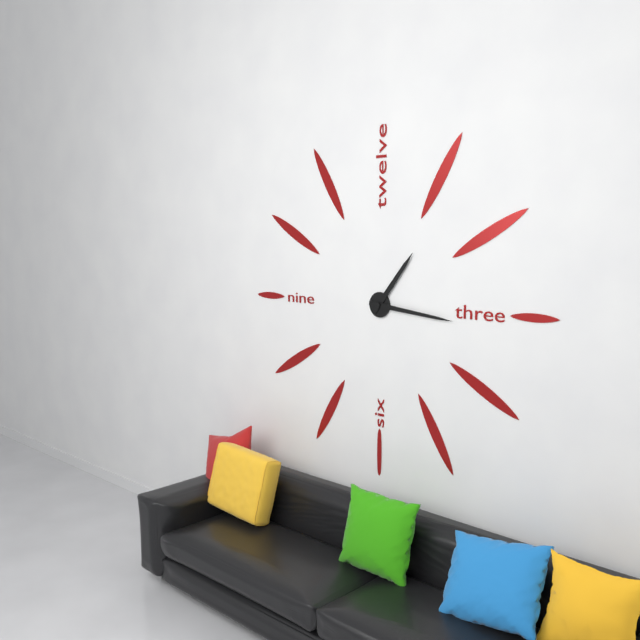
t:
1:16
